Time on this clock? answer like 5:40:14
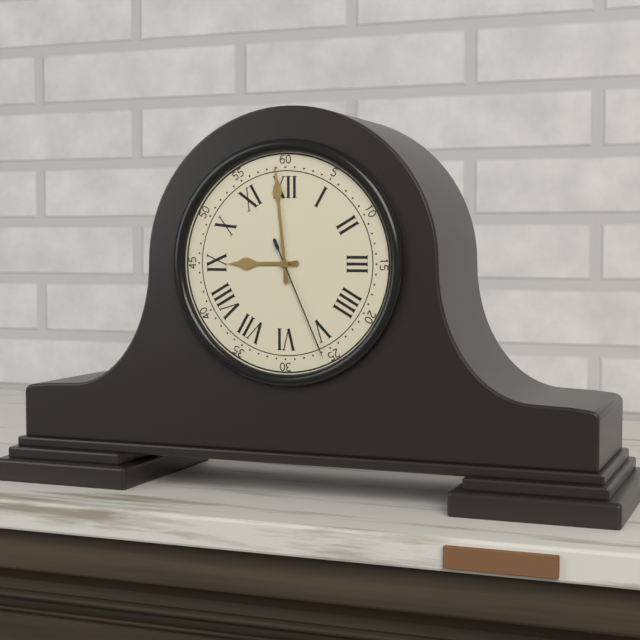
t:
8:59:26
